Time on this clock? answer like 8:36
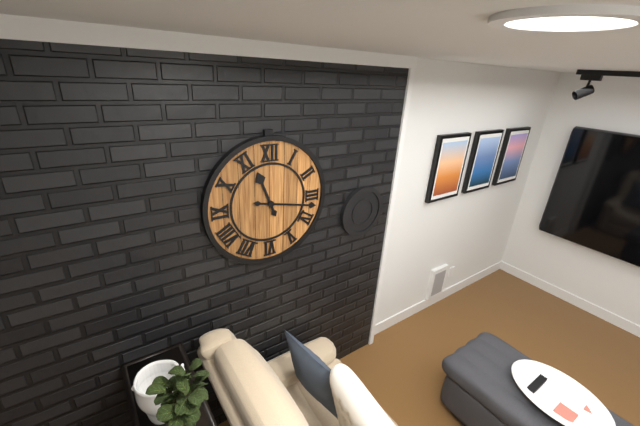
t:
11:17
